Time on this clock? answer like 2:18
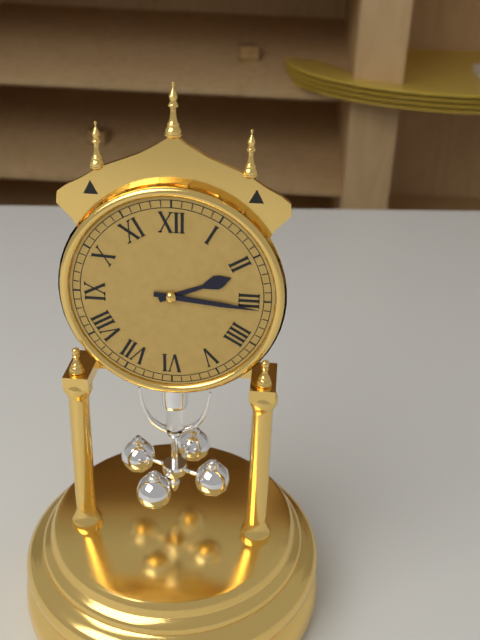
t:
2:16
